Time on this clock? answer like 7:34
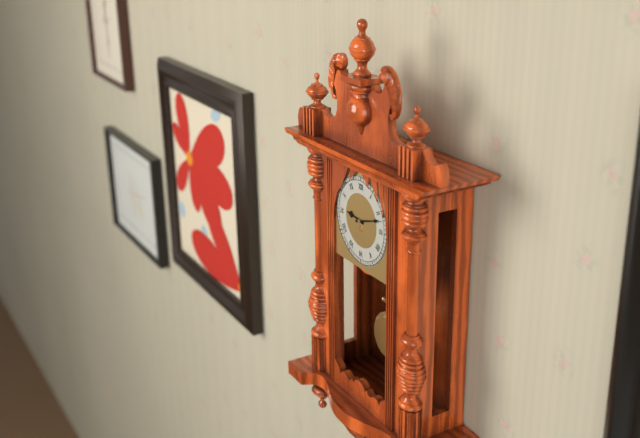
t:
9:12
